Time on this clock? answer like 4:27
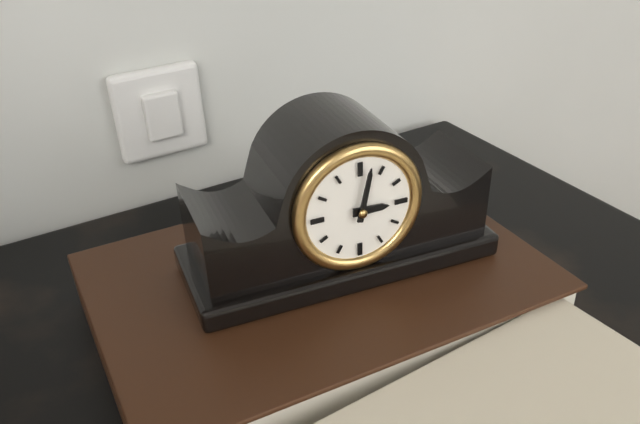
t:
3:02
